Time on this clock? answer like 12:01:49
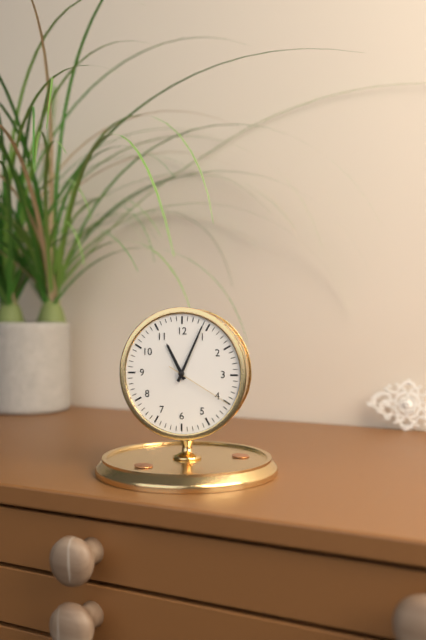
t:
11:04:20
